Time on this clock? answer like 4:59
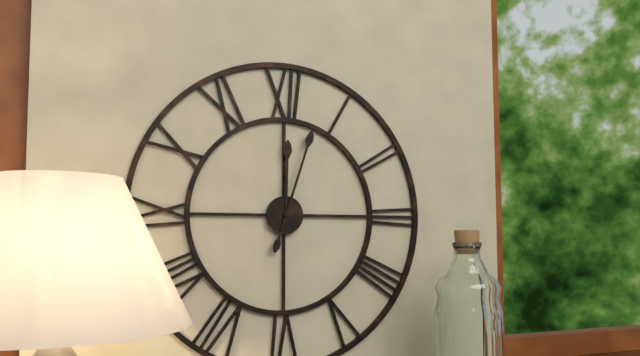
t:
12:03
